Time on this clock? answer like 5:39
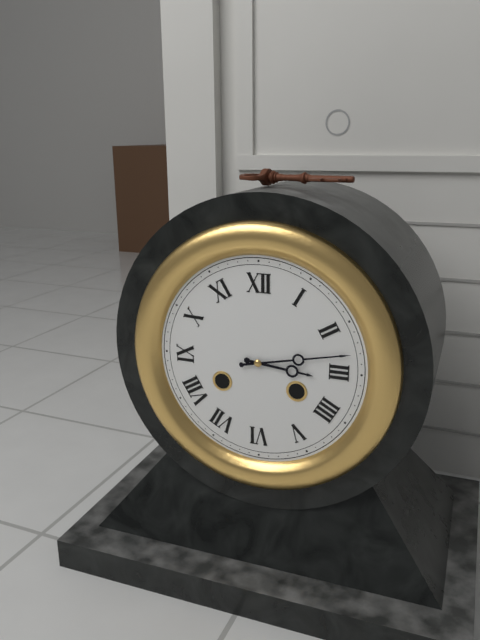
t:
3:13
